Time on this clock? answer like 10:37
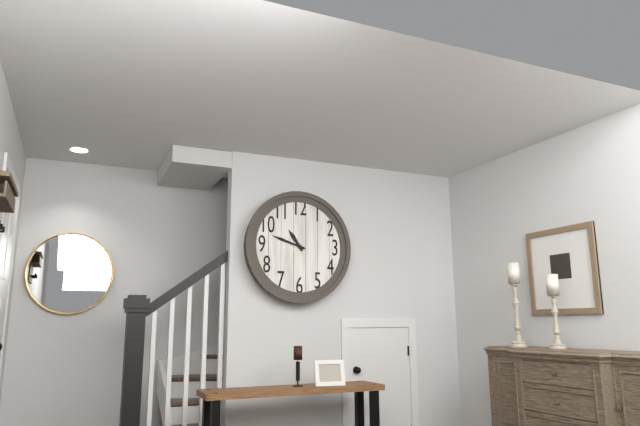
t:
10:48
